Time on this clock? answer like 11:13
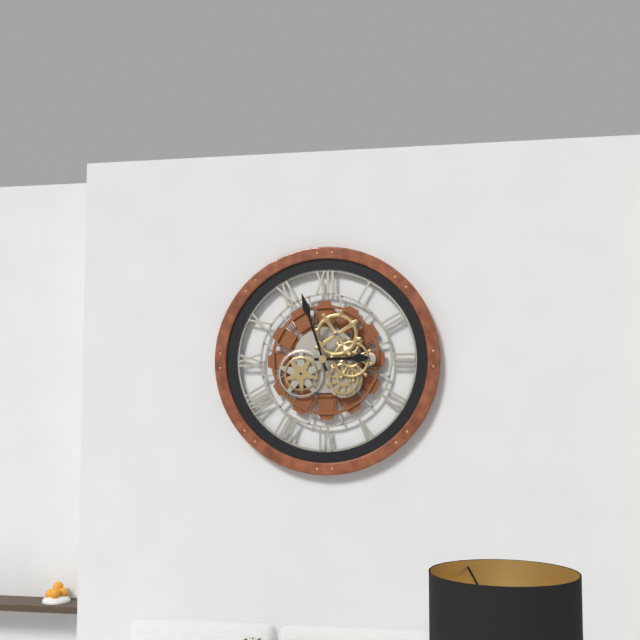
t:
2:57
